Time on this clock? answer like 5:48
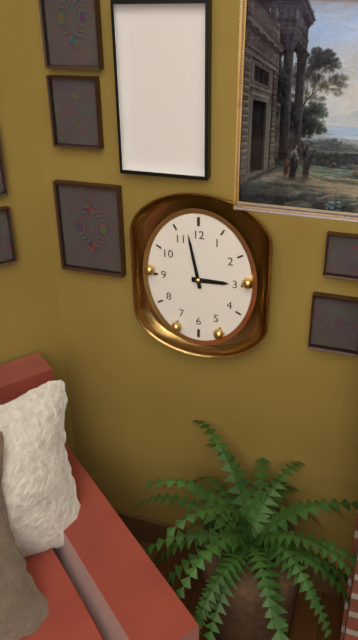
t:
2:58
